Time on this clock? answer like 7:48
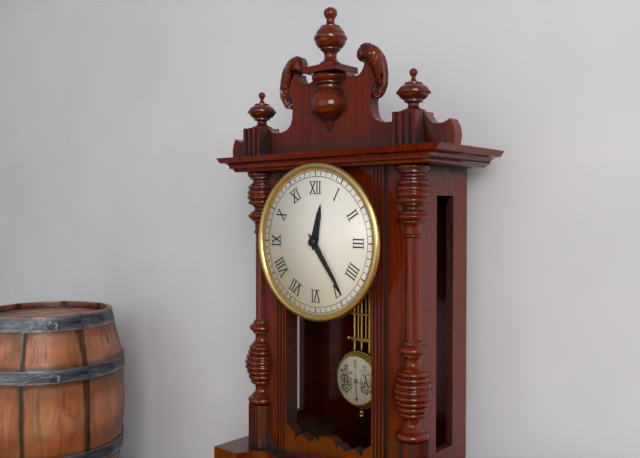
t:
12:24
